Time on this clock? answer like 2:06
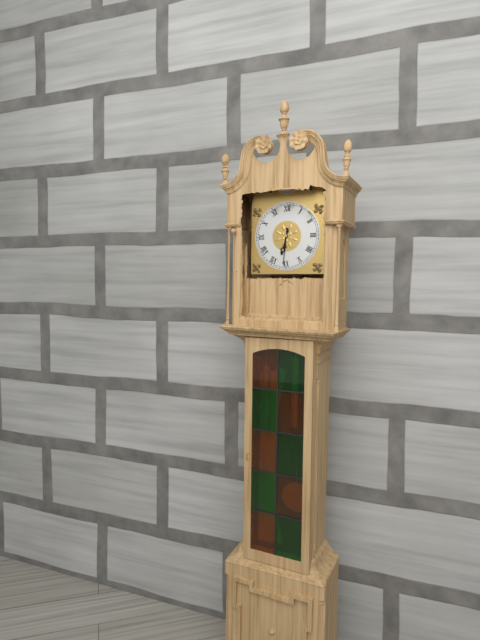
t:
6:31
